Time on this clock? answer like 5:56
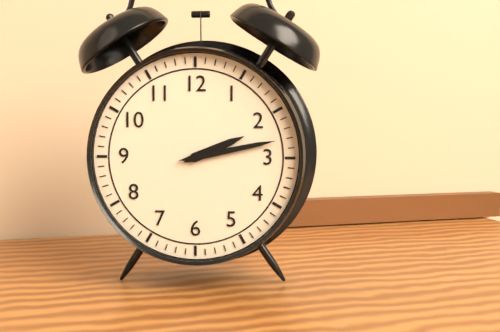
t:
2:13
